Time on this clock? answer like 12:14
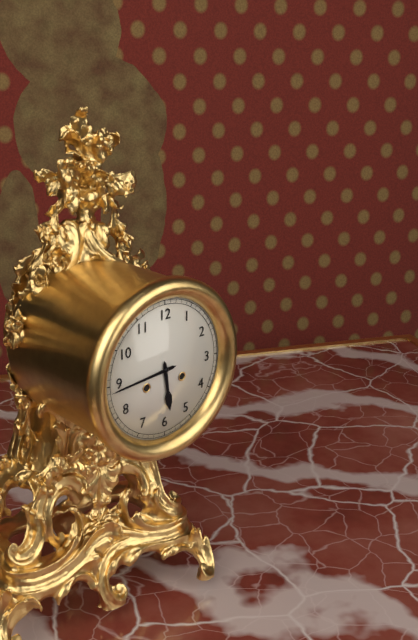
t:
5:44
